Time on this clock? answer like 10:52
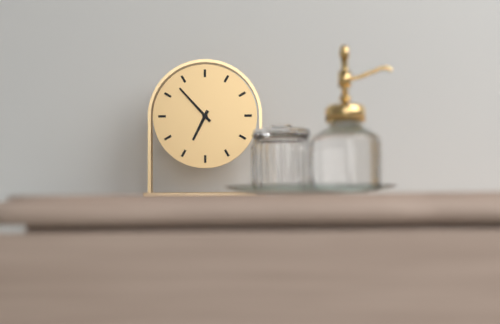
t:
6:53
